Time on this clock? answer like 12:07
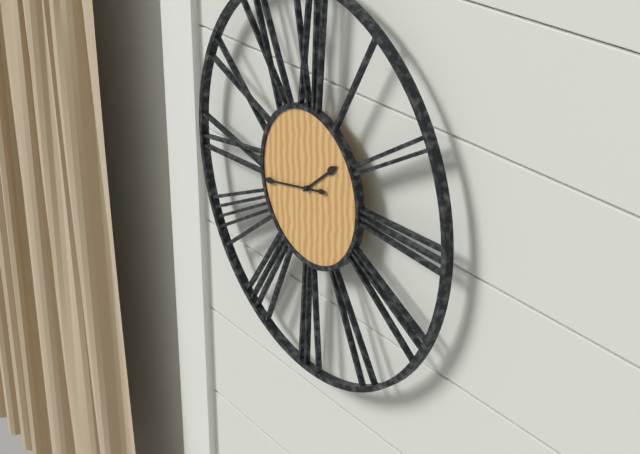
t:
1:43
